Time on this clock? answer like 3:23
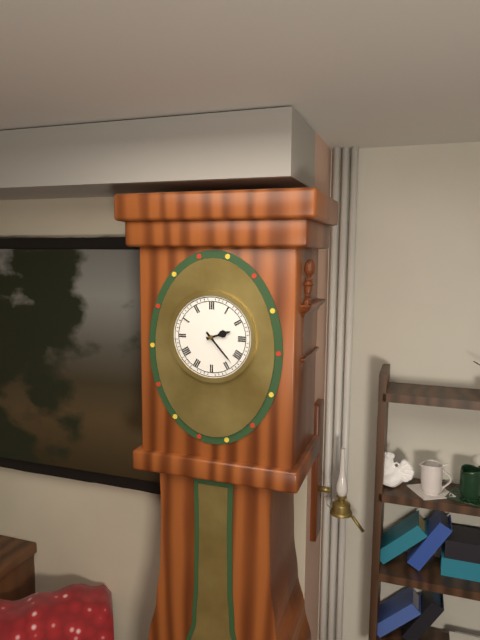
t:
2:23
